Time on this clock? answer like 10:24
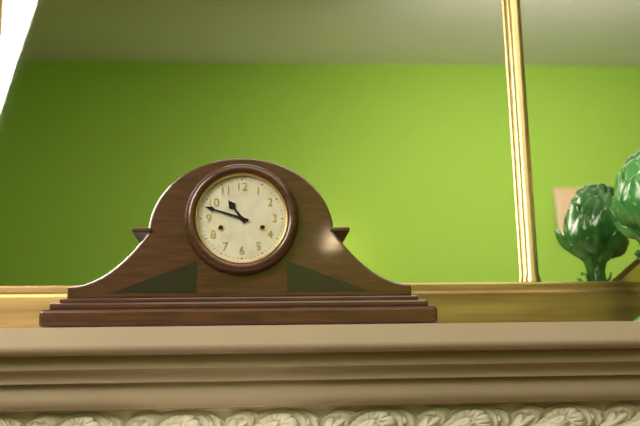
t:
10:48
